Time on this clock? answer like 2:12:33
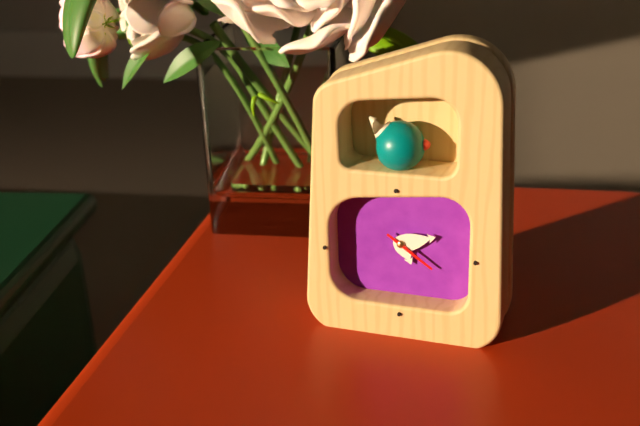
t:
5:12:21
